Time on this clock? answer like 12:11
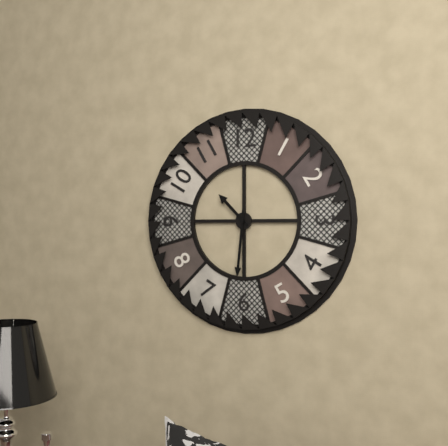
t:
10:31
